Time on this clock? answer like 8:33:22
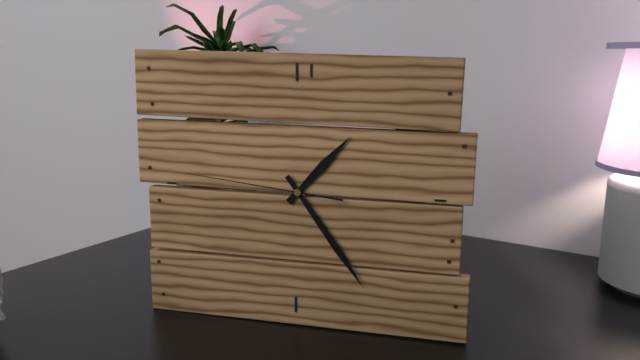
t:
1:24:46
